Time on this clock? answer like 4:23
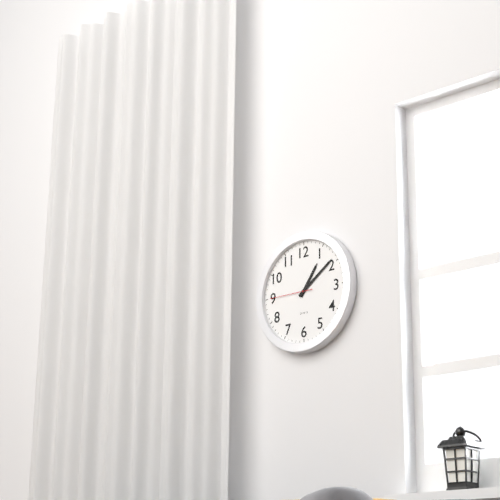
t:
1:09
